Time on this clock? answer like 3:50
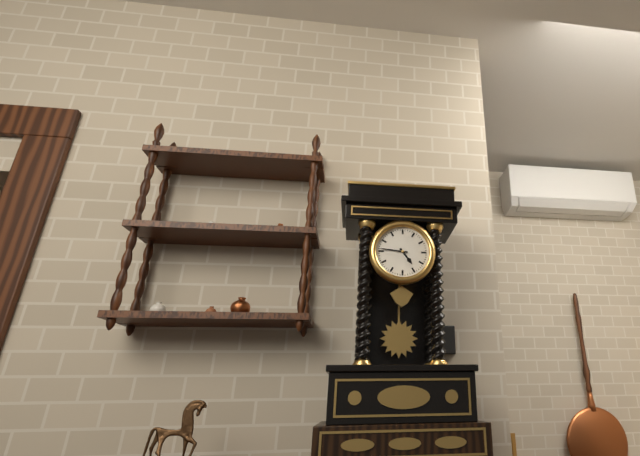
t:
4:46
